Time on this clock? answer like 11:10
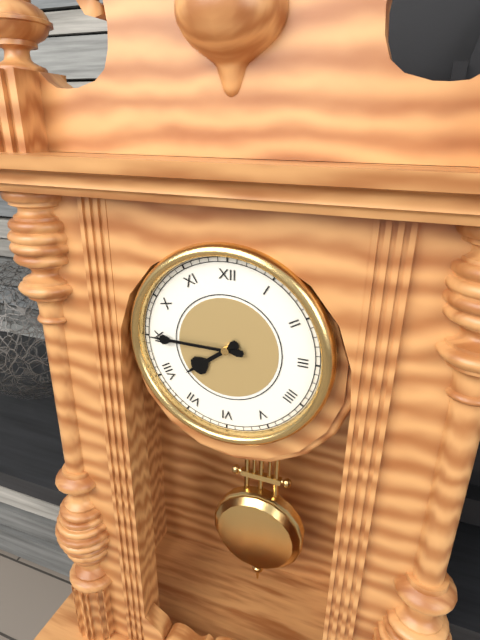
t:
7:45
